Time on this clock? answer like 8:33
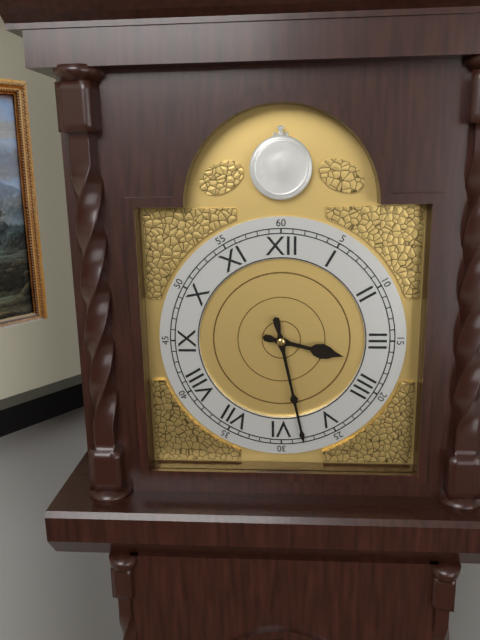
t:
3:28
